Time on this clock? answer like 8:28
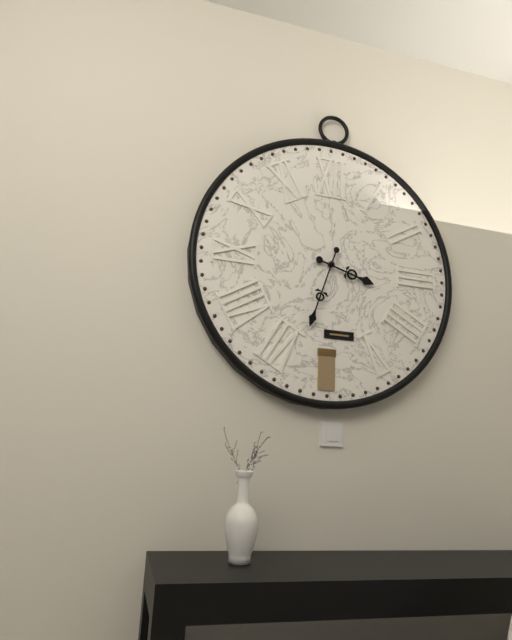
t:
3:33
